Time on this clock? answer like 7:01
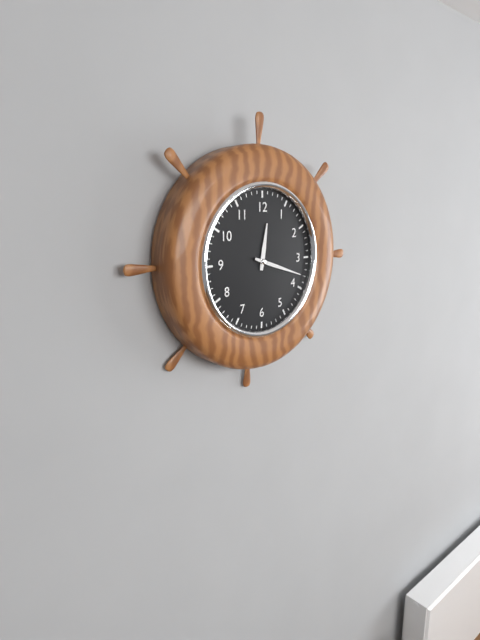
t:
12:18
